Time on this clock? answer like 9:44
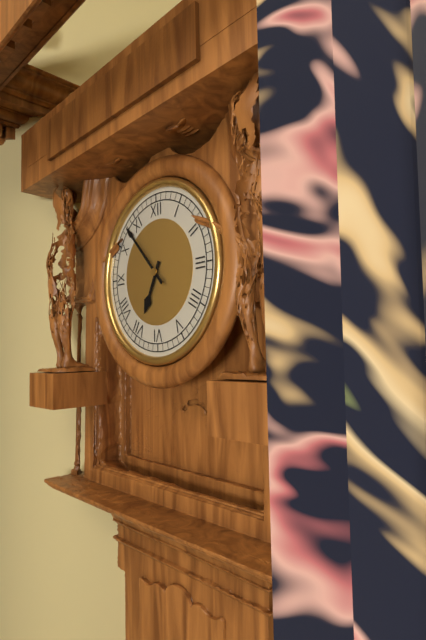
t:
6:53
